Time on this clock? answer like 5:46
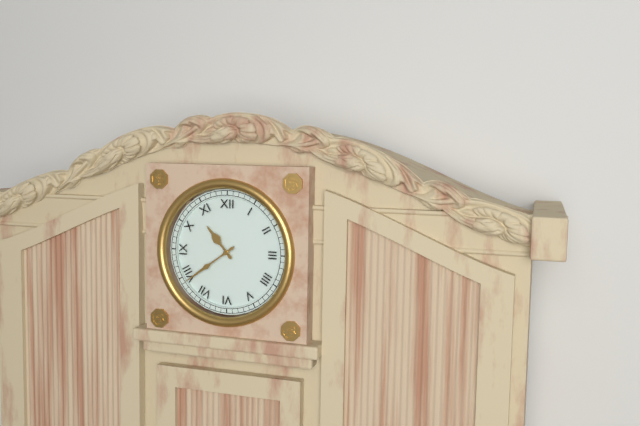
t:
10:39
